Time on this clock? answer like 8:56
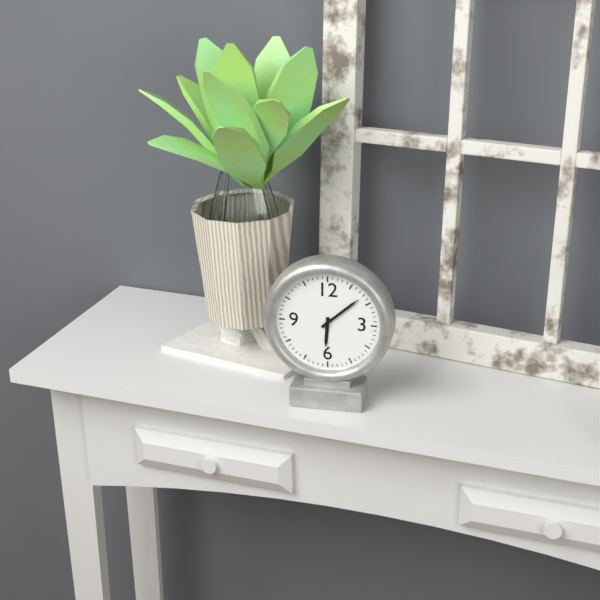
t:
6:08
